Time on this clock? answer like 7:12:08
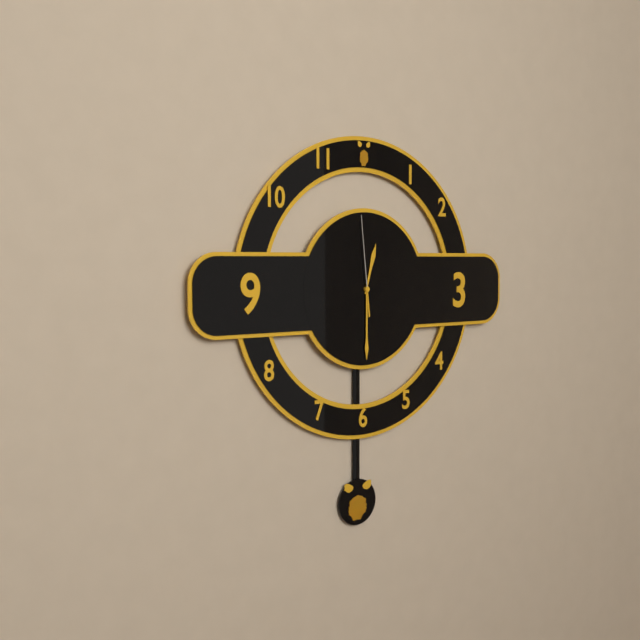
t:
12:30:59
